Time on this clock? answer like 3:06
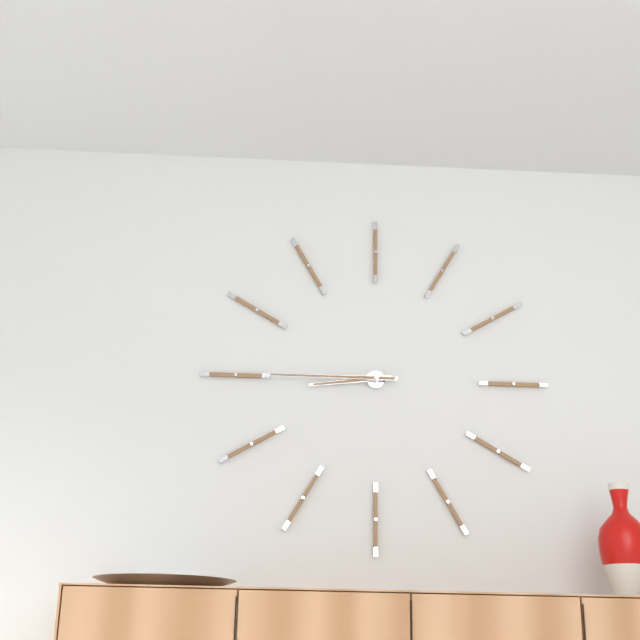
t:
8:45
